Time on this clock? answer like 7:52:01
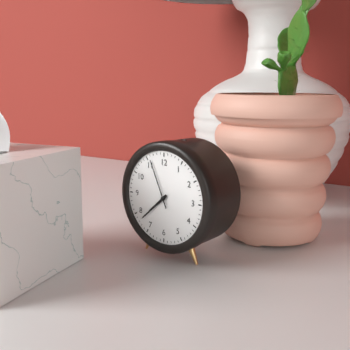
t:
7:38:56
